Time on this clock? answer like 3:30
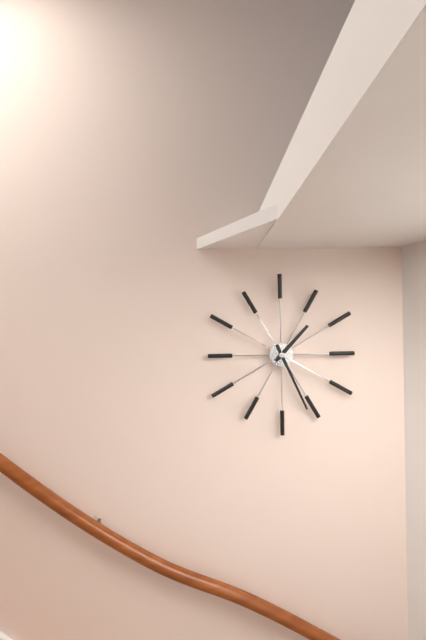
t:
1:26
